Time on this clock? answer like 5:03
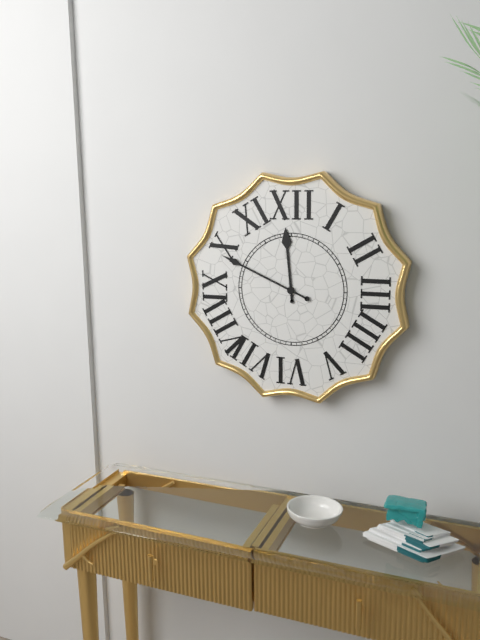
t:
11:49
